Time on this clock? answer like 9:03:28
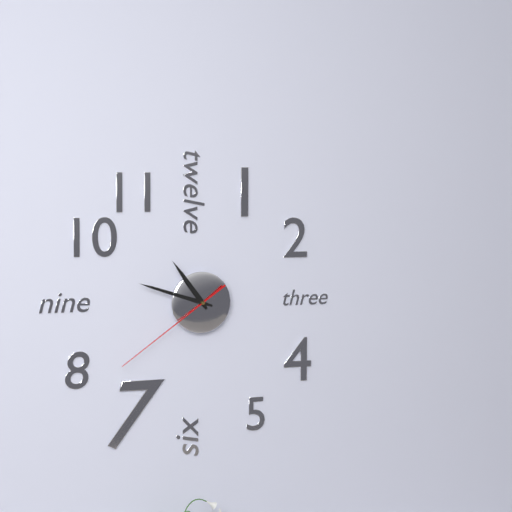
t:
10:48:39
